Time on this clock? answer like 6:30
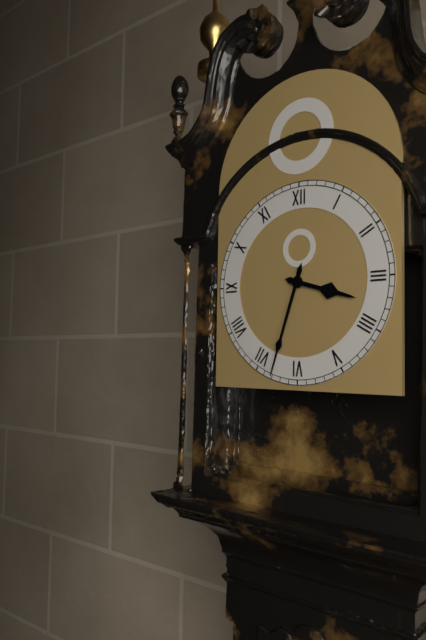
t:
3:33
